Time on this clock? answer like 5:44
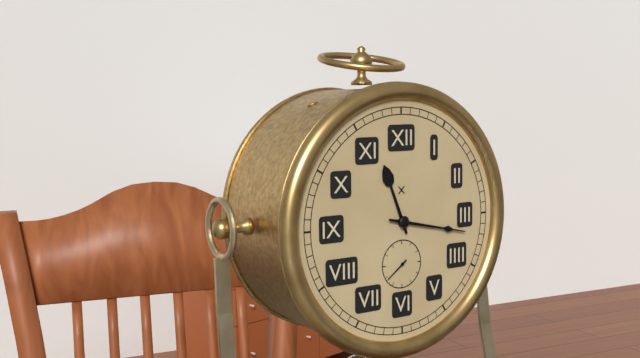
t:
11:17
